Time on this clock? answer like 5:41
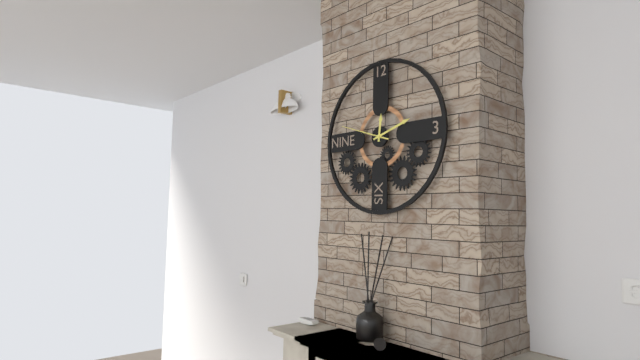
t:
12:12
